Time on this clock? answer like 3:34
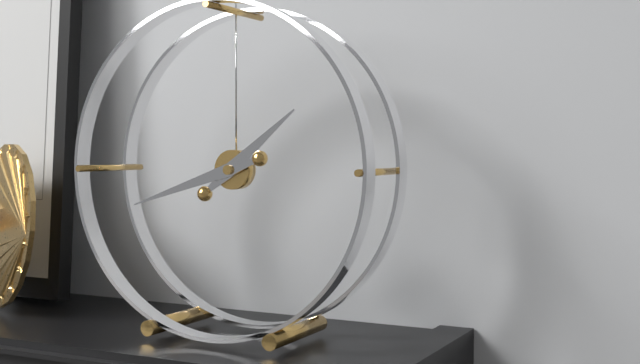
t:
1:42
